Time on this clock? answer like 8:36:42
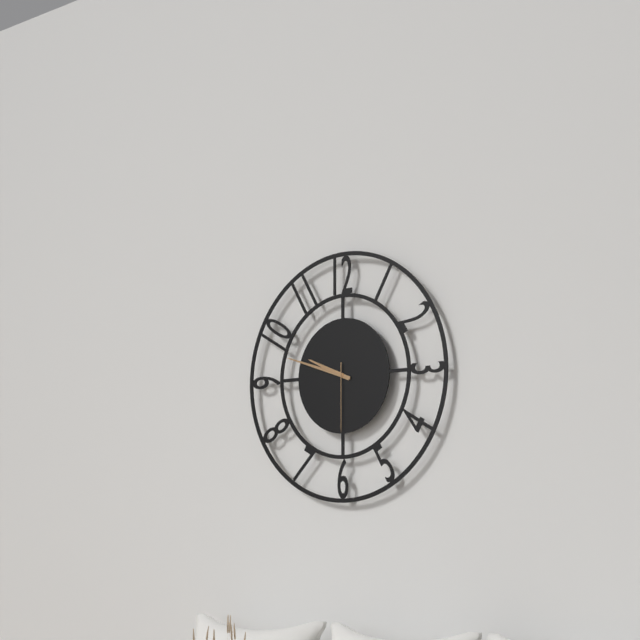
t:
9:48:30
